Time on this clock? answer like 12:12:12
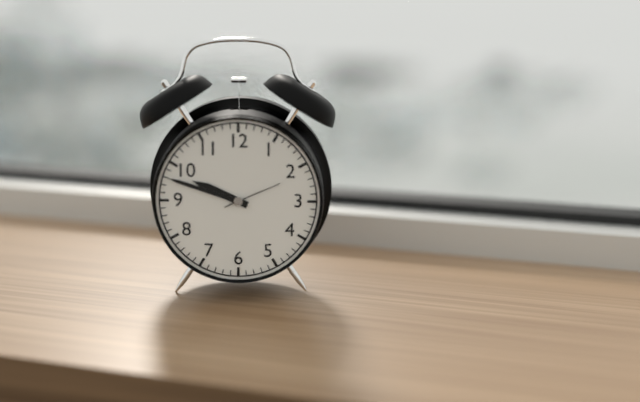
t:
9:48:11
